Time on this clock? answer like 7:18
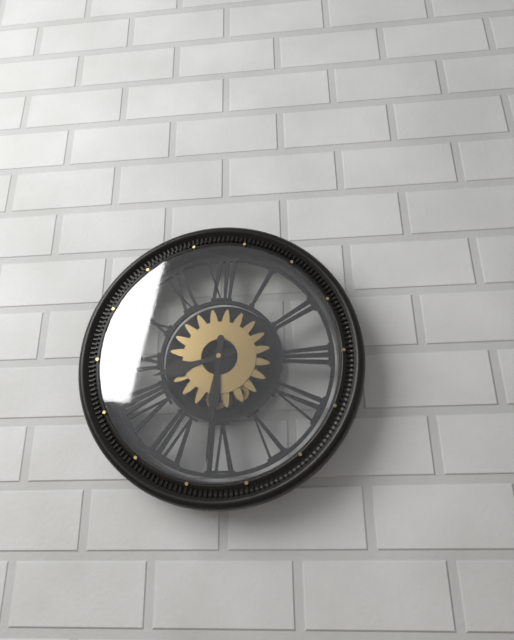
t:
8:31
